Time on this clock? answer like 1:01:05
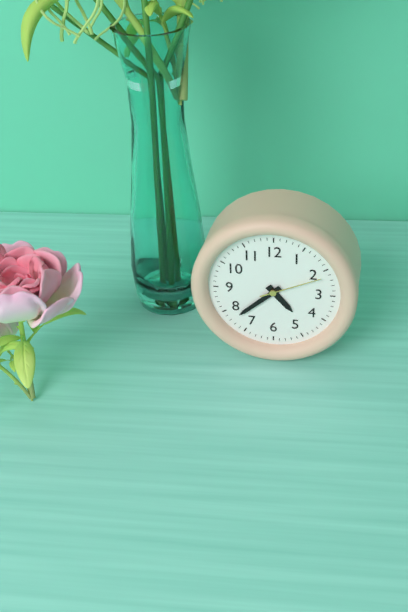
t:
4:38:11
